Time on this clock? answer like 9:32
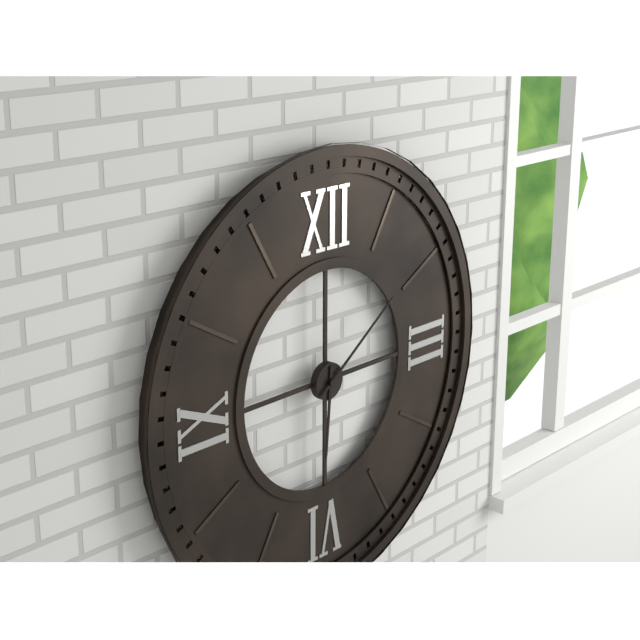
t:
6:09
